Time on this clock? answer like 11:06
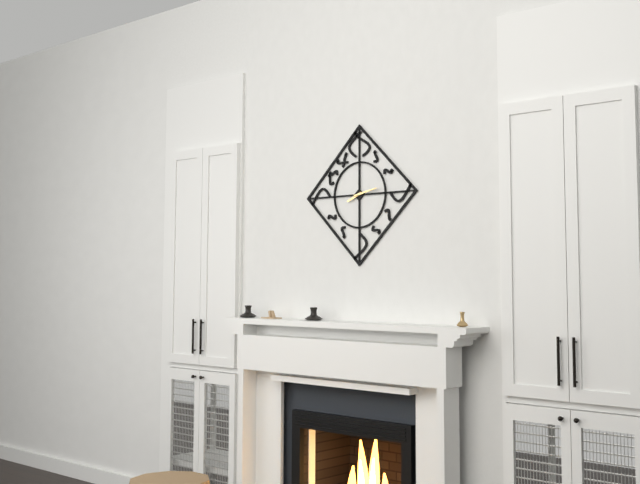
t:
8:13
